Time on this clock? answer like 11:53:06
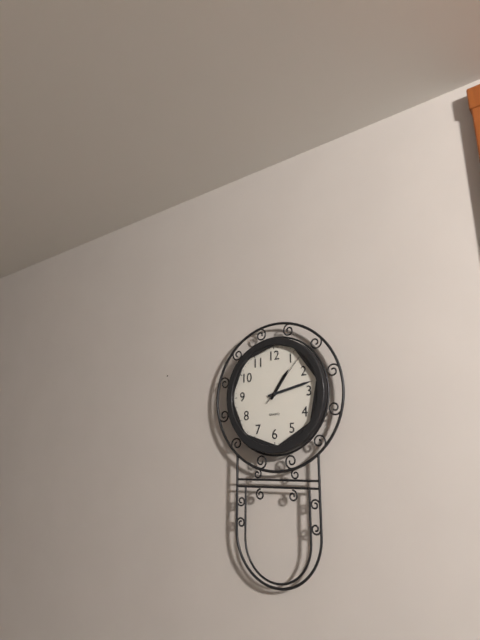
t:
1:13:07
